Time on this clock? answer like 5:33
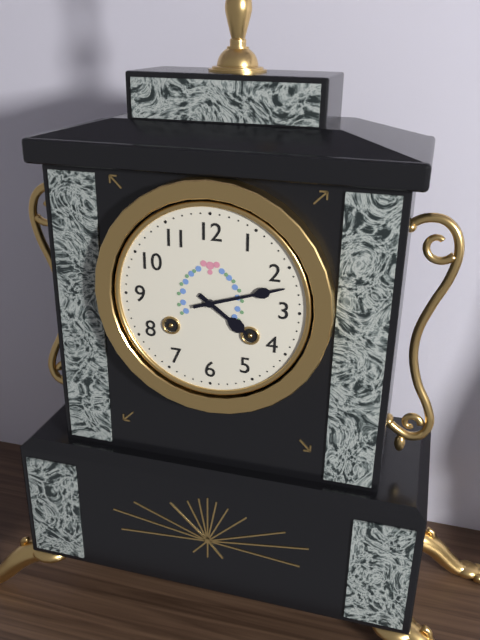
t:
4:12
